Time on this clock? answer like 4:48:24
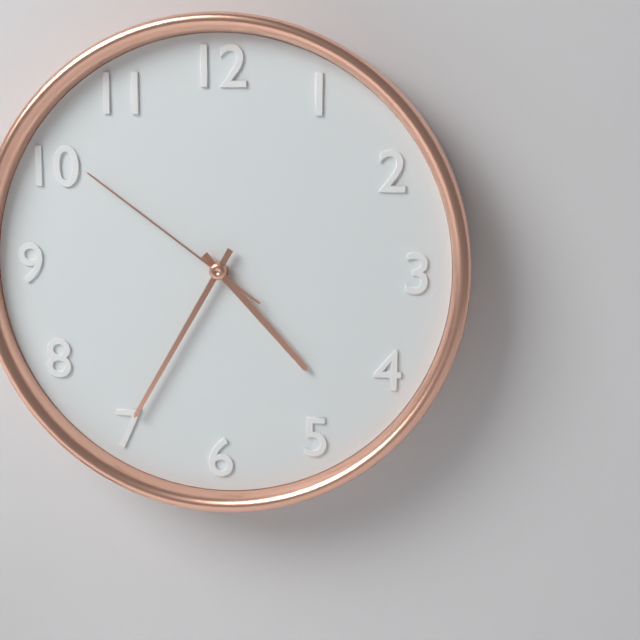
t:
4:35:51
